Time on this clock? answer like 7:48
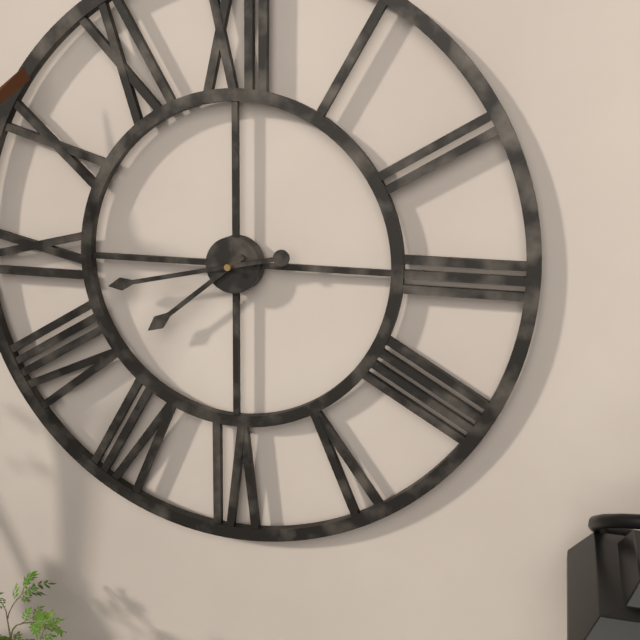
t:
7:43
